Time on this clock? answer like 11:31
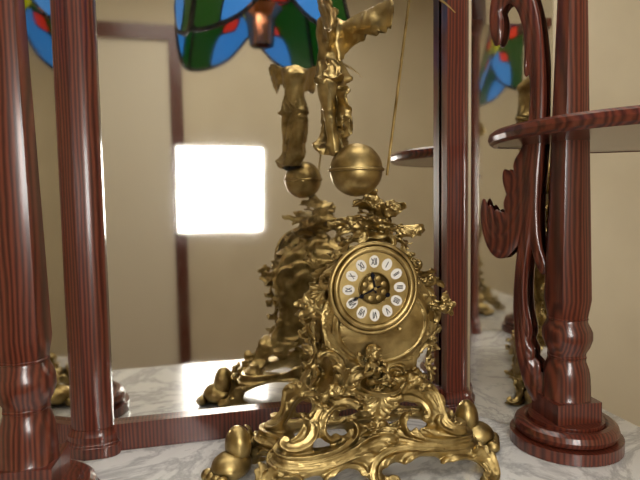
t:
11:41
